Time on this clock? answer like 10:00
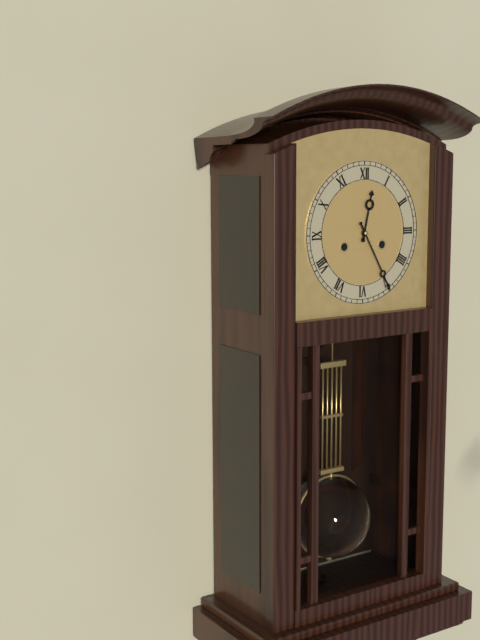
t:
12:25
